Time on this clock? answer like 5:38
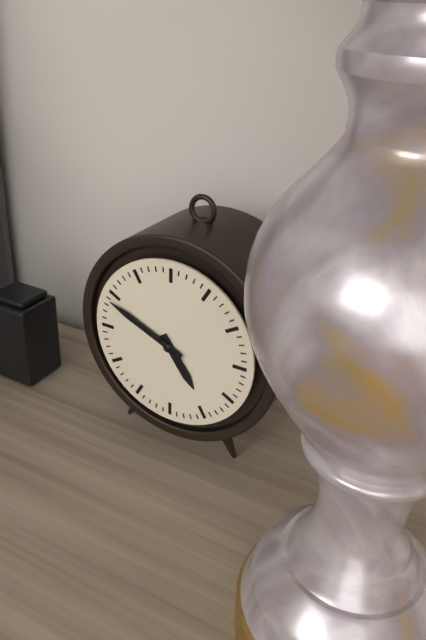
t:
4:49
